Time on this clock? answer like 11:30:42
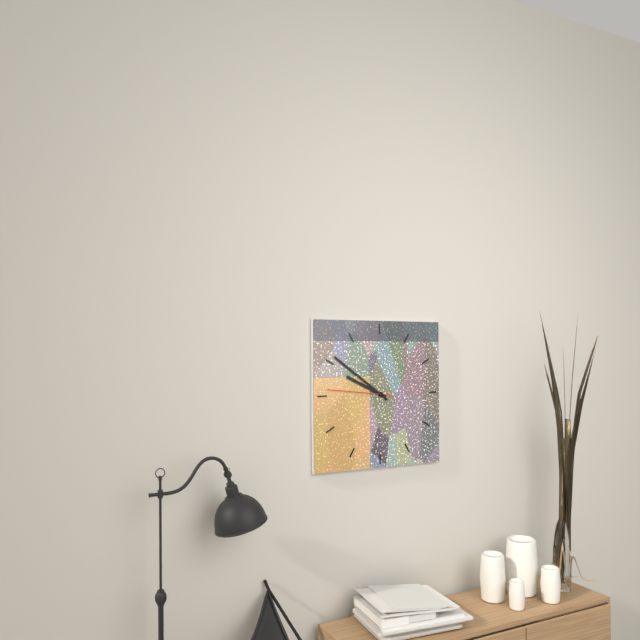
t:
9:51:46
